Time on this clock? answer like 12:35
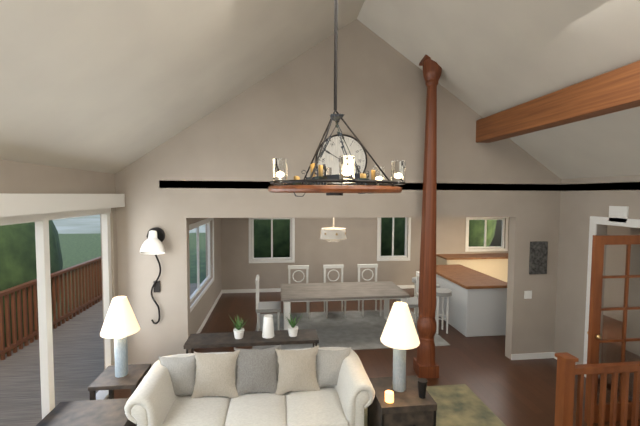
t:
2:50
